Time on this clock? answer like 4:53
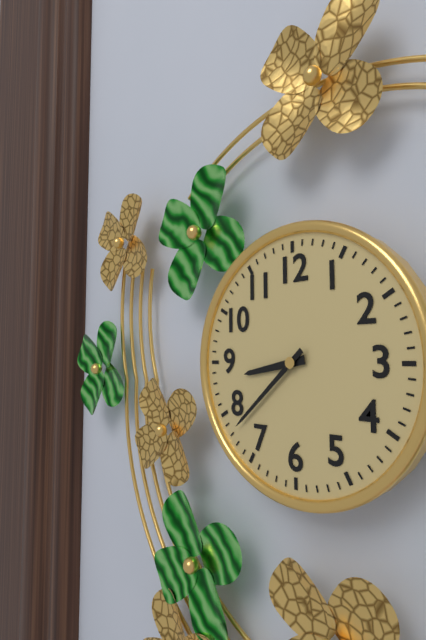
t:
8:38
